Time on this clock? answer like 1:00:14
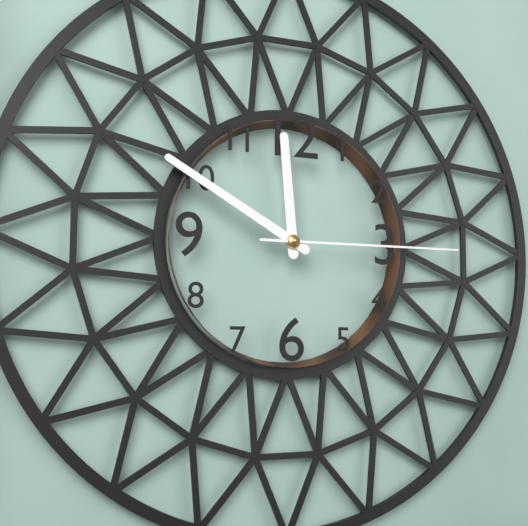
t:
11:50:15
